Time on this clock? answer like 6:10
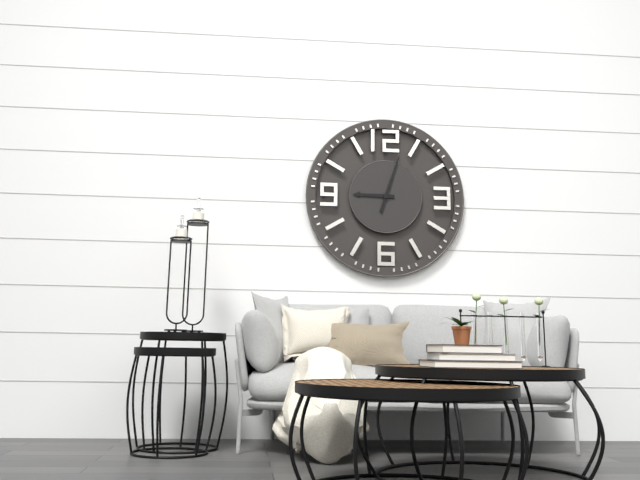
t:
9:03
